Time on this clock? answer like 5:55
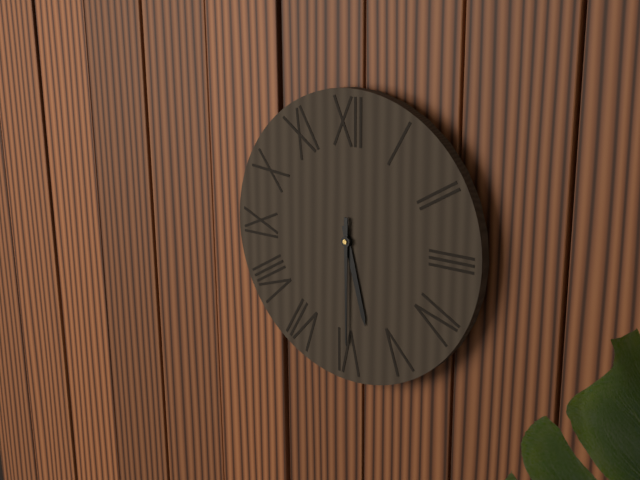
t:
5:30
